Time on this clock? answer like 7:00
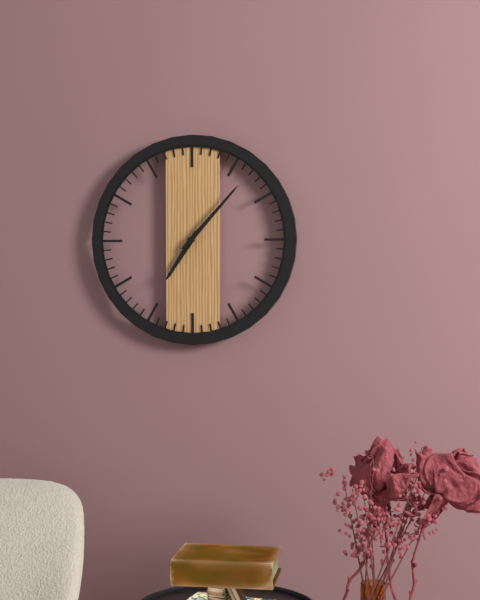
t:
7:07
